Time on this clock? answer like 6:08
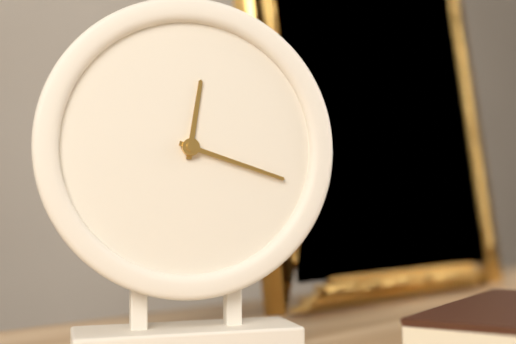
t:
12:18
